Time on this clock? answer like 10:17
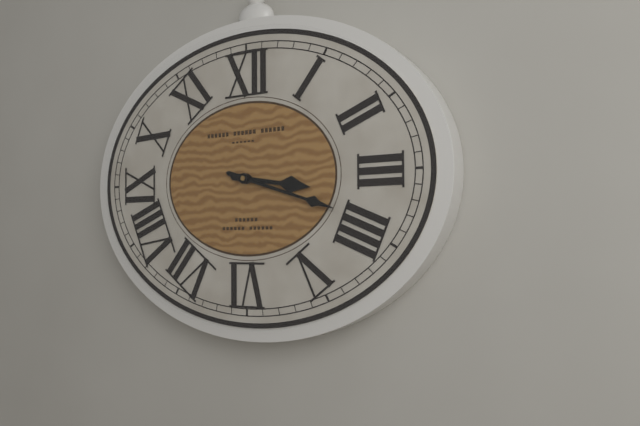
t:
3:18
